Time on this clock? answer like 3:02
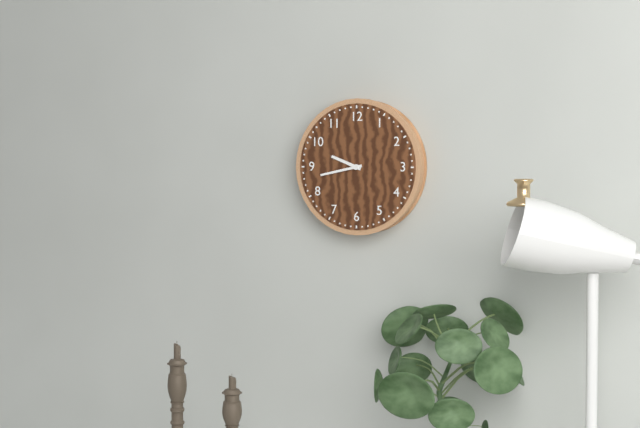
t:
9:43
